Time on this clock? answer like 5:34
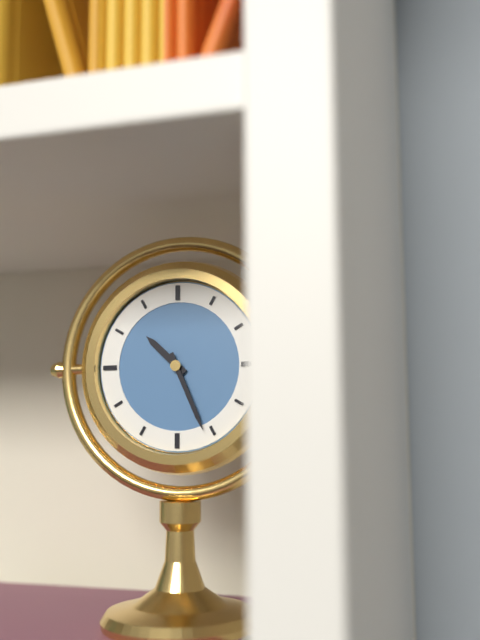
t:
10:26
